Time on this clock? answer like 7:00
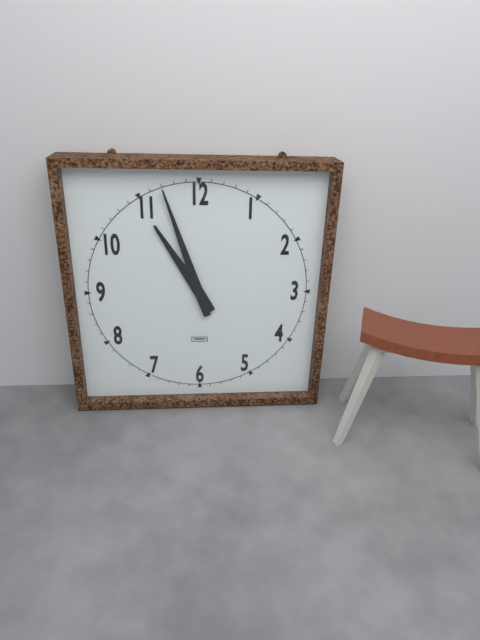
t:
10:57
